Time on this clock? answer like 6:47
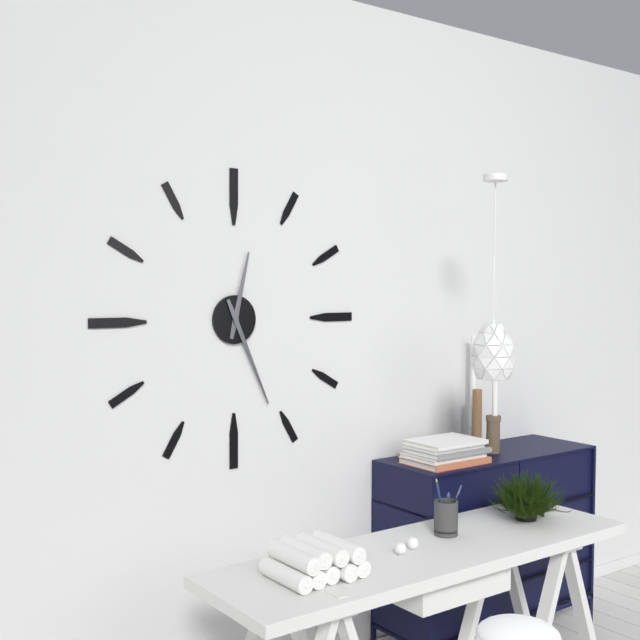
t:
12:26
